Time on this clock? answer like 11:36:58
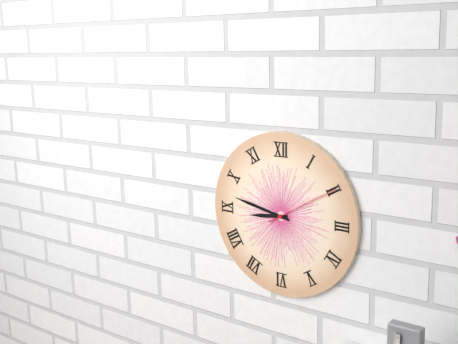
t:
8:47:10
